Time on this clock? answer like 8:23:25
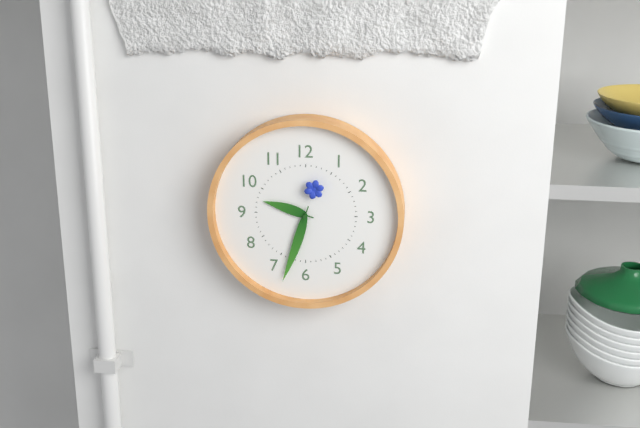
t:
9:33:03
